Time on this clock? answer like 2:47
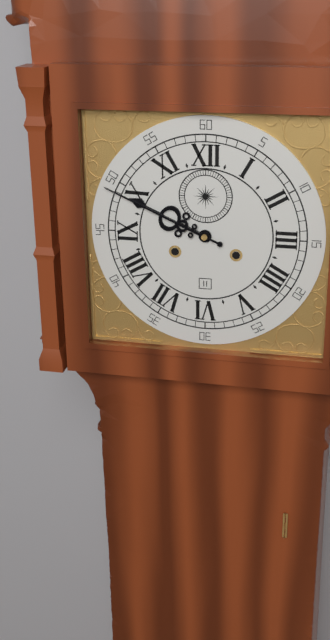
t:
9:49
